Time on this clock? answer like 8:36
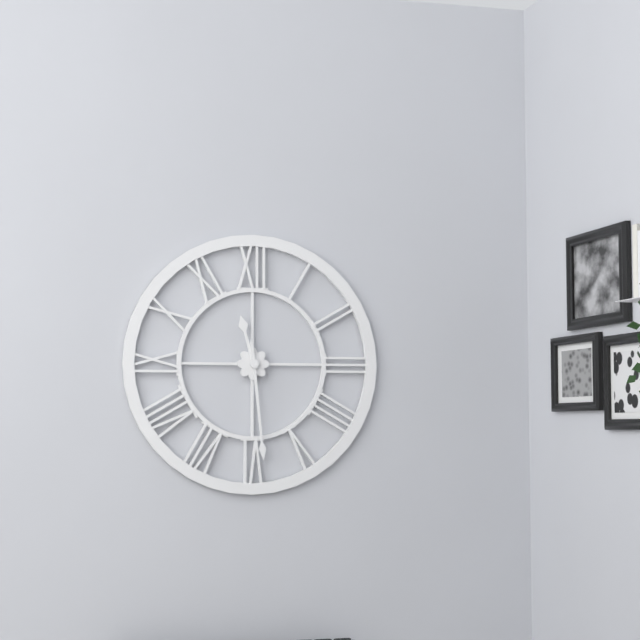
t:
11:29
